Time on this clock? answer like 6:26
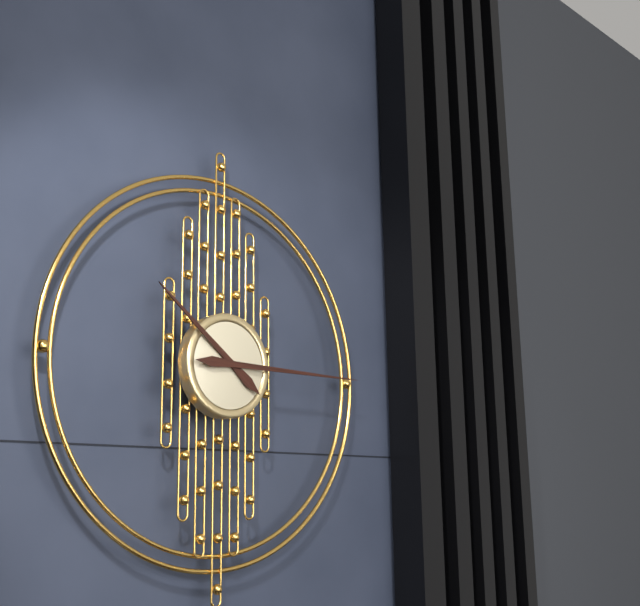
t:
10:15
